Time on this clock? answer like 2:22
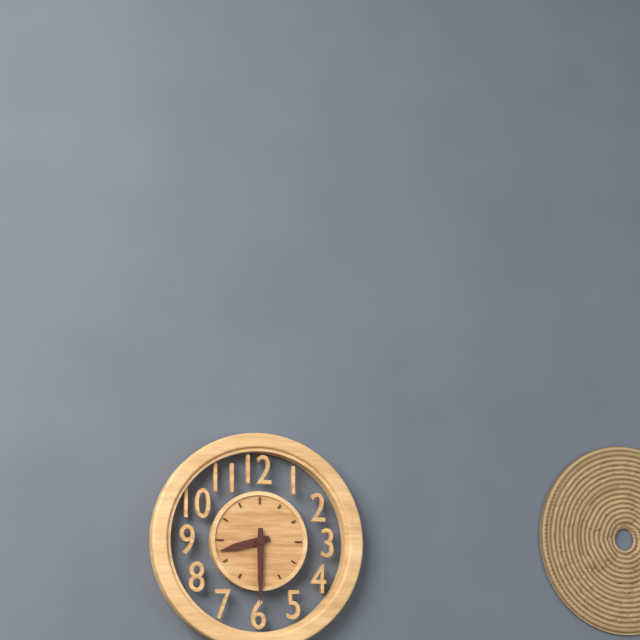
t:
8:30
